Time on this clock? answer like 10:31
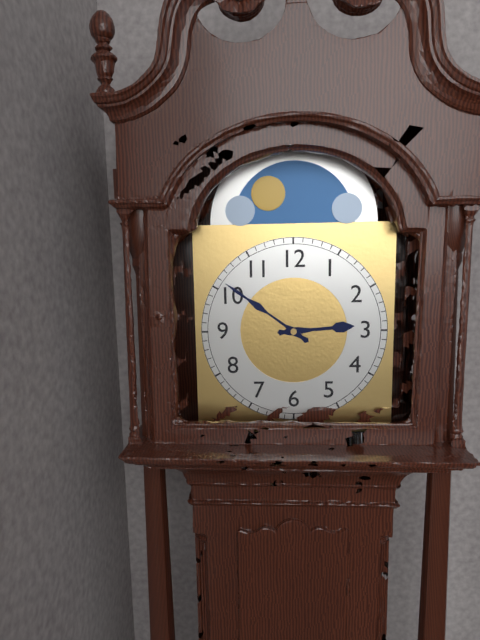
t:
2:51
